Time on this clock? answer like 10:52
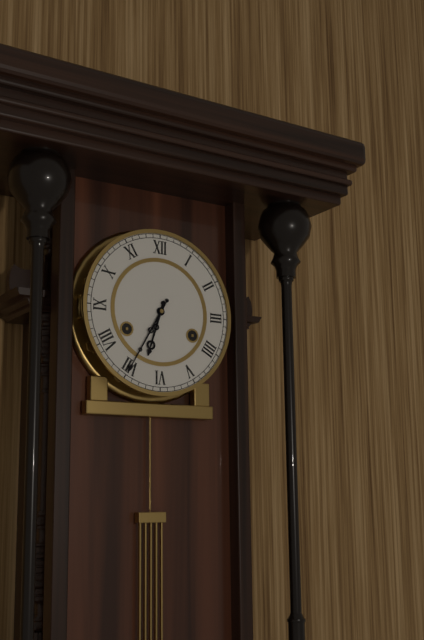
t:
6:35
